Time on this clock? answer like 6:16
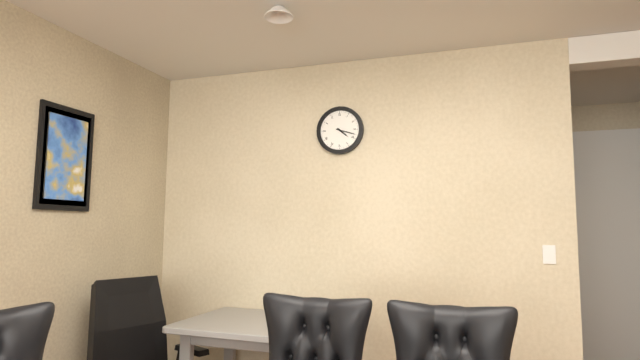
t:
4:18
